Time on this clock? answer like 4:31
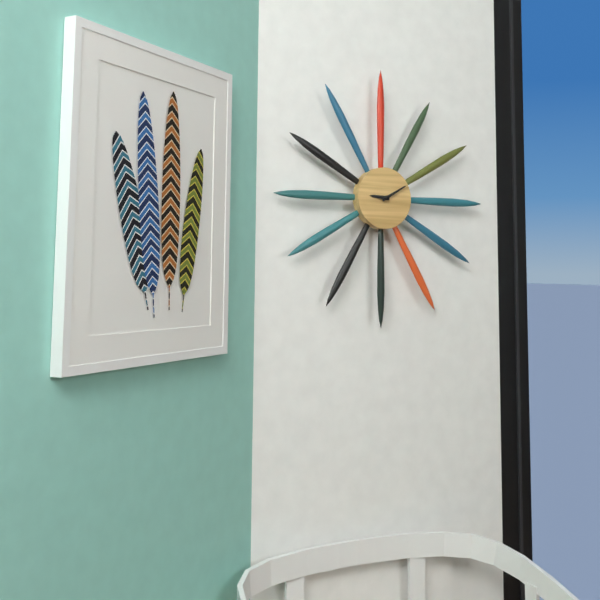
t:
9:10
